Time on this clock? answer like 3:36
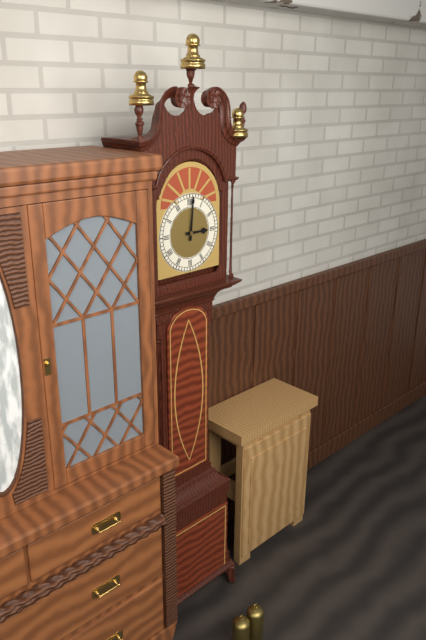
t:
3:01
